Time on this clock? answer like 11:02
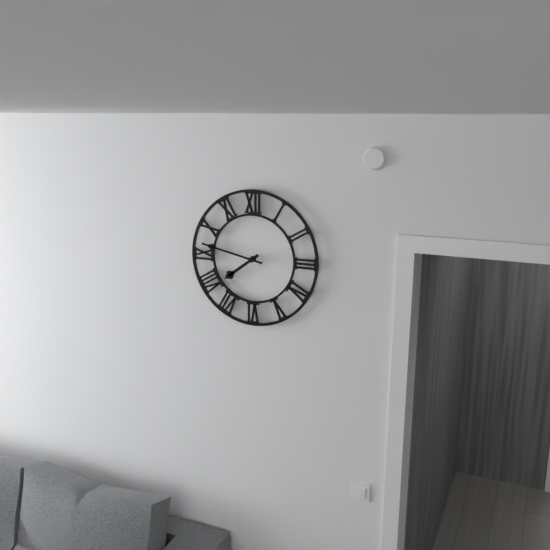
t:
7:47
